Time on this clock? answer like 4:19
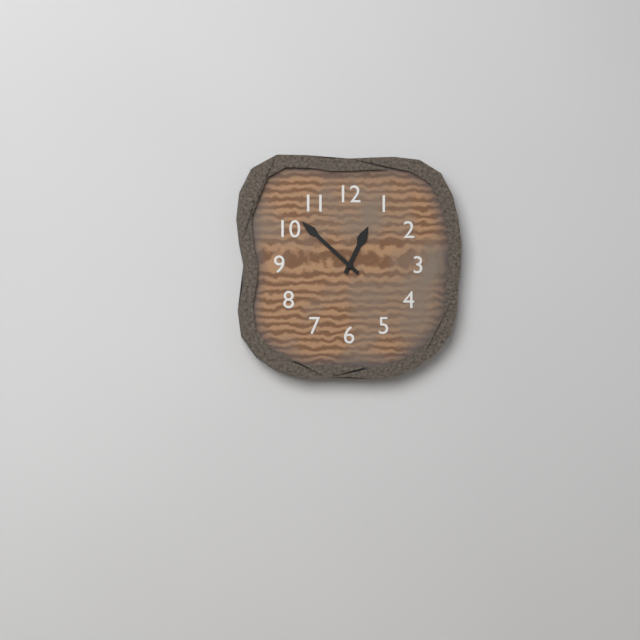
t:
12:52
